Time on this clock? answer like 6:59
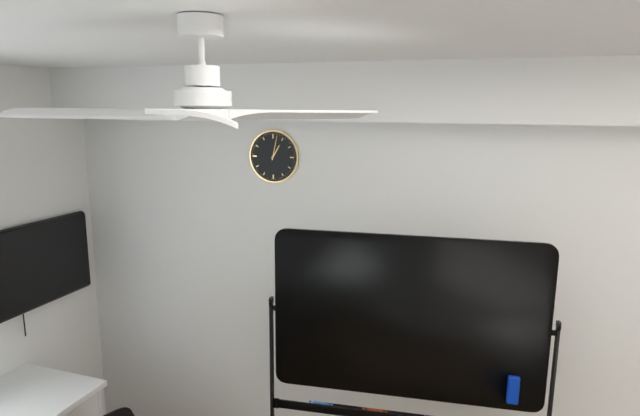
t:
1:02
